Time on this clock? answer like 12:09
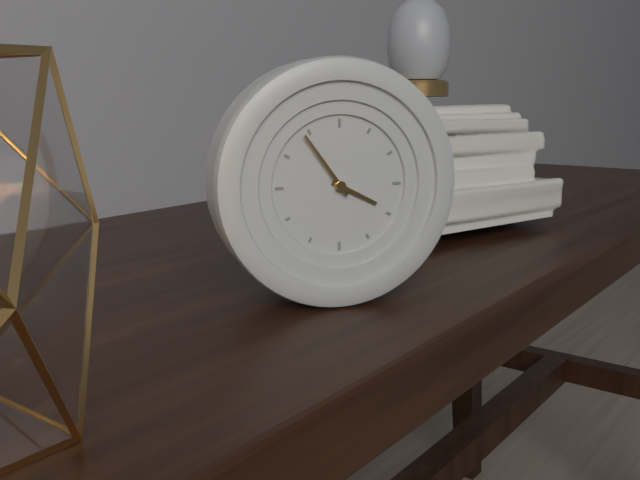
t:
3:54
